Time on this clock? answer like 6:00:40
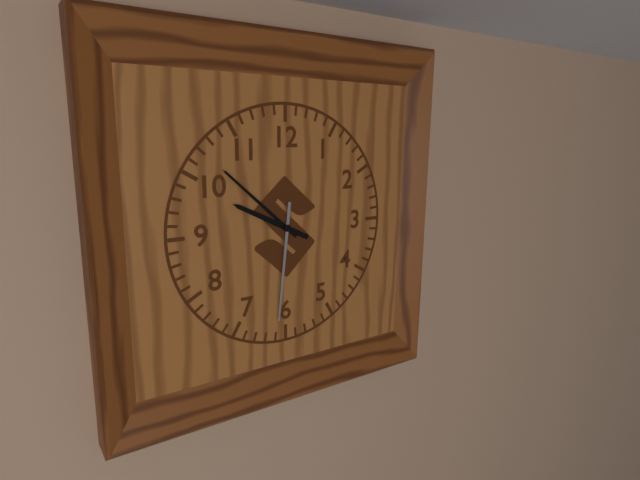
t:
9:52:31
